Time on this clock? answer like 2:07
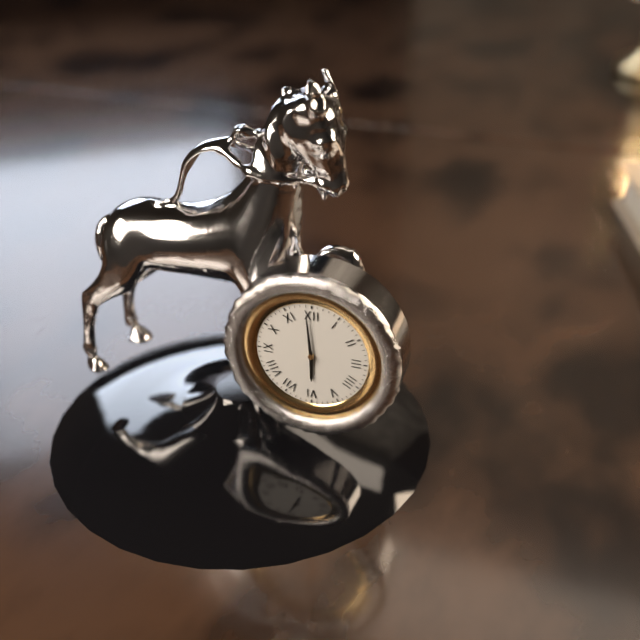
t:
5:59
